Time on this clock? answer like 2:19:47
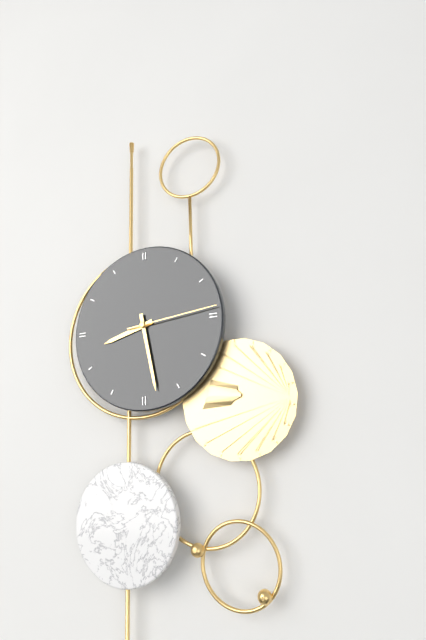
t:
8:28:14
